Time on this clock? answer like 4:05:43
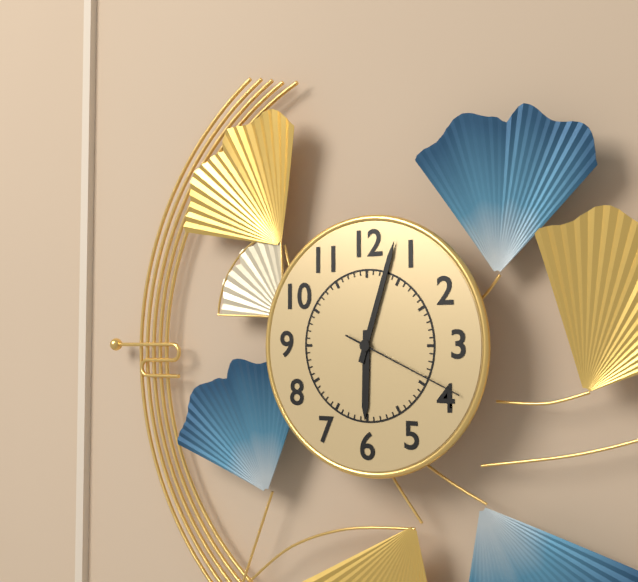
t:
6:03:19
